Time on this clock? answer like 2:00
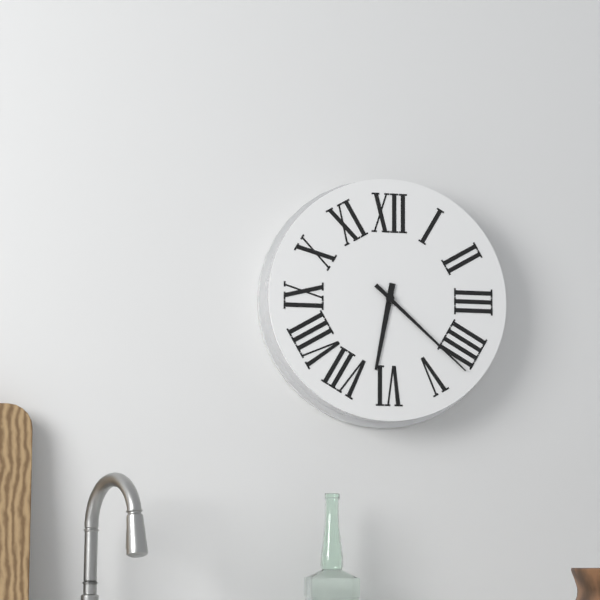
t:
6:22
